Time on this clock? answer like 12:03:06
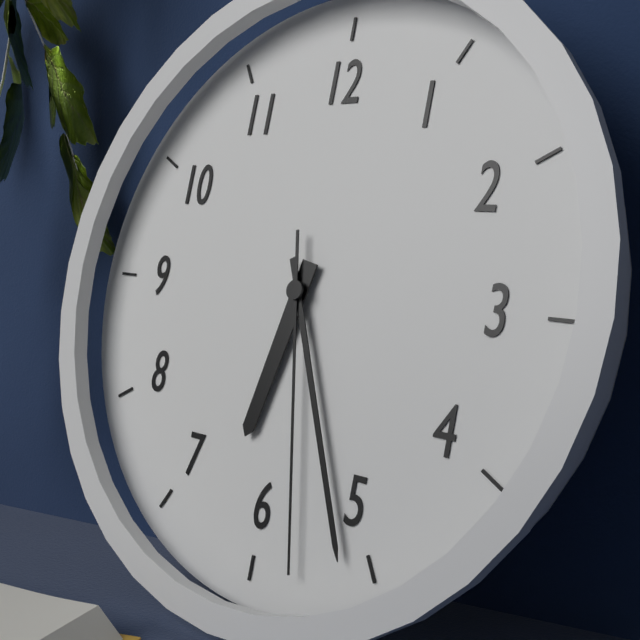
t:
6:26:28
